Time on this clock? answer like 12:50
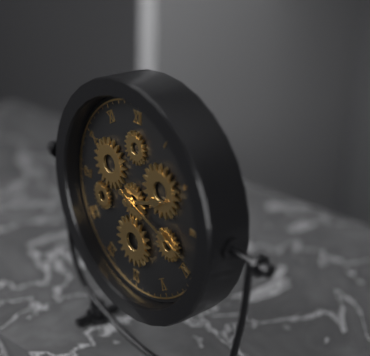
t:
2:18
